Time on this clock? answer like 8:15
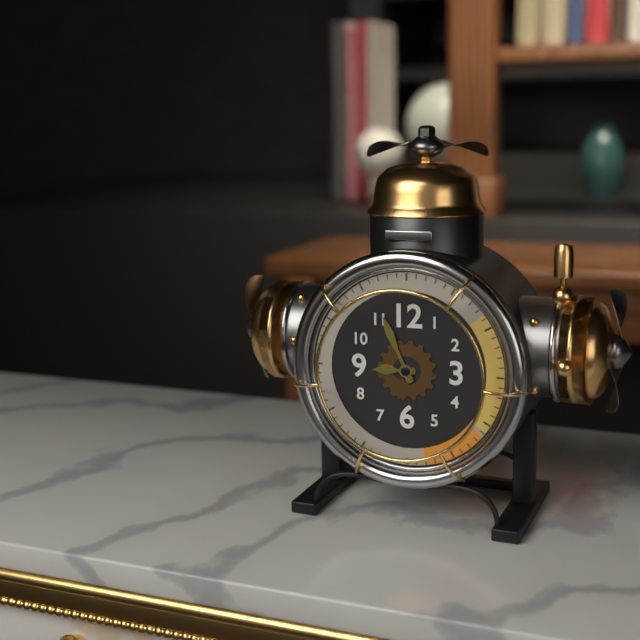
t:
8:56
